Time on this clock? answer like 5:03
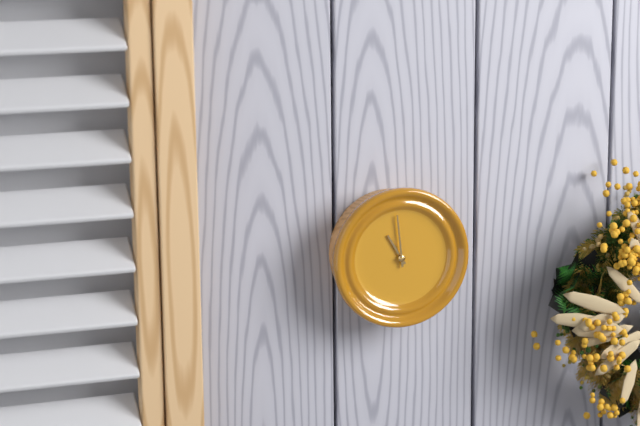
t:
10:59
